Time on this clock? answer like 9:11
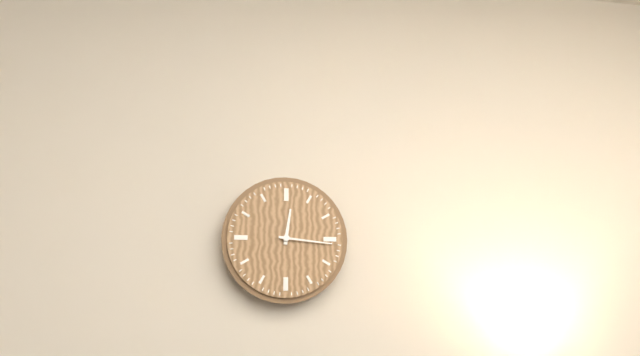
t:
12:16
